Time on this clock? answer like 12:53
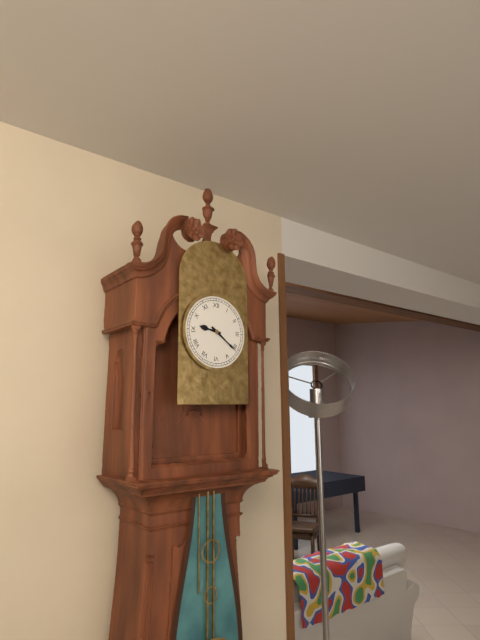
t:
9:21
